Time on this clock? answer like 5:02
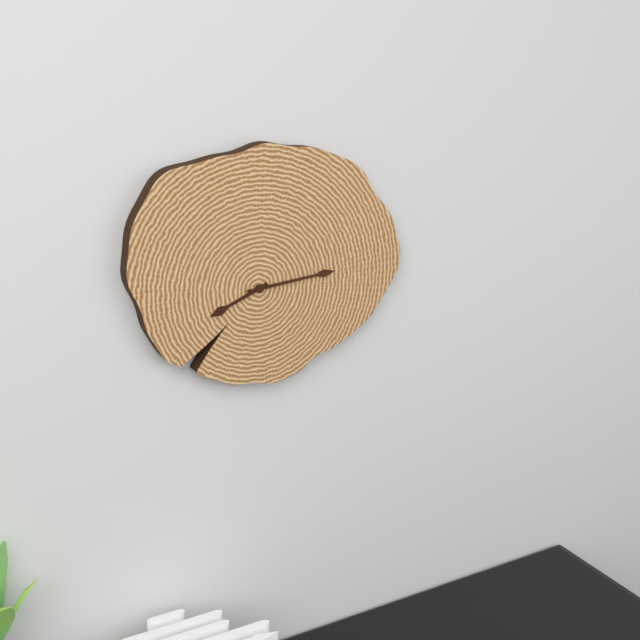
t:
8:14
